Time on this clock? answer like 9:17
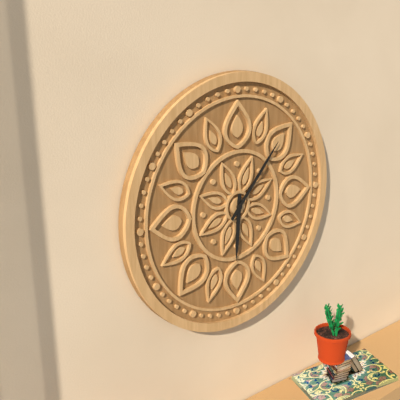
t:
6:07
